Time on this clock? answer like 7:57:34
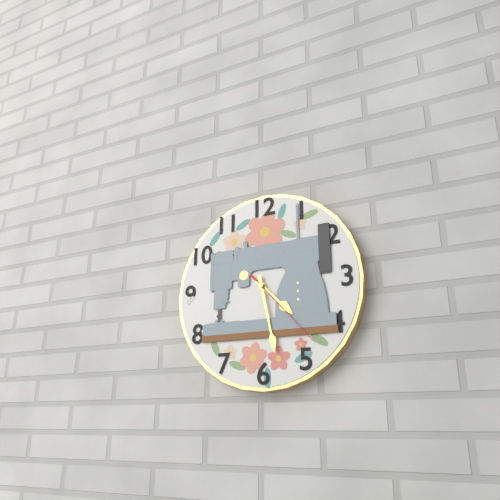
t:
4:28:23
